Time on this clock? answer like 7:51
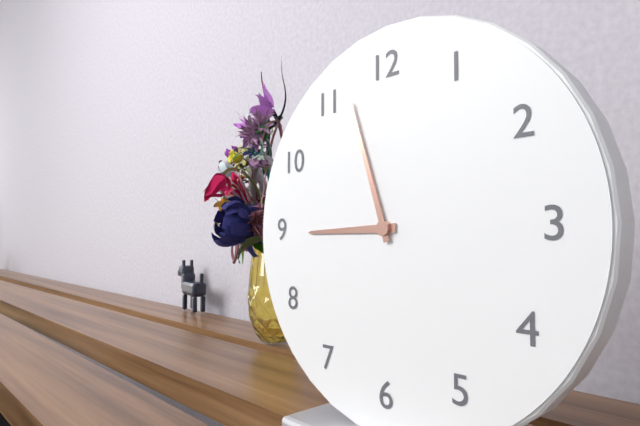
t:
8:57
